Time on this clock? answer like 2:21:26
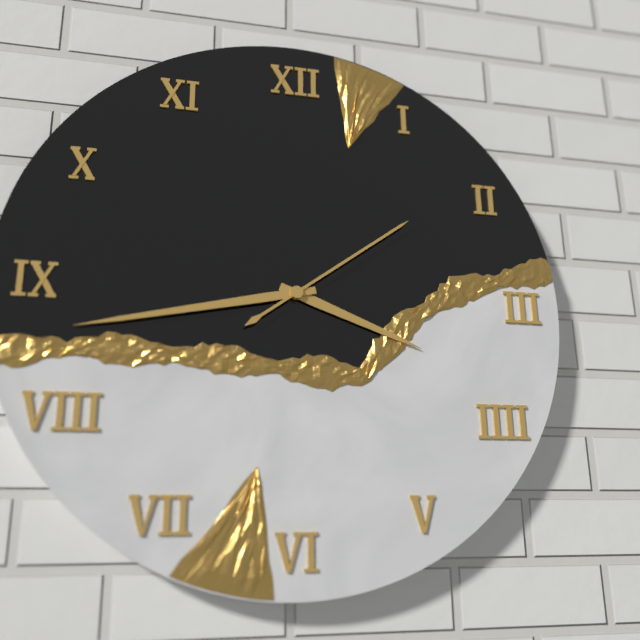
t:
3:43:09
